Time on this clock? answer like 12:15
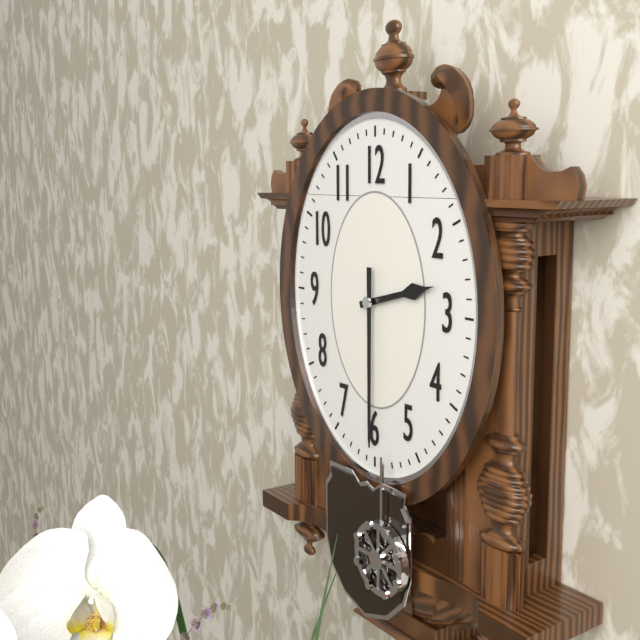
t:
2:30
